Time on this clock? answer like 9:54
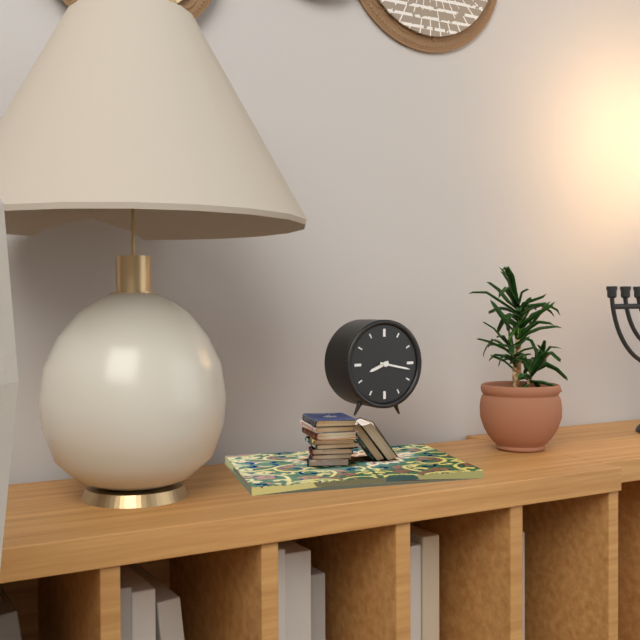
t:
8:17
